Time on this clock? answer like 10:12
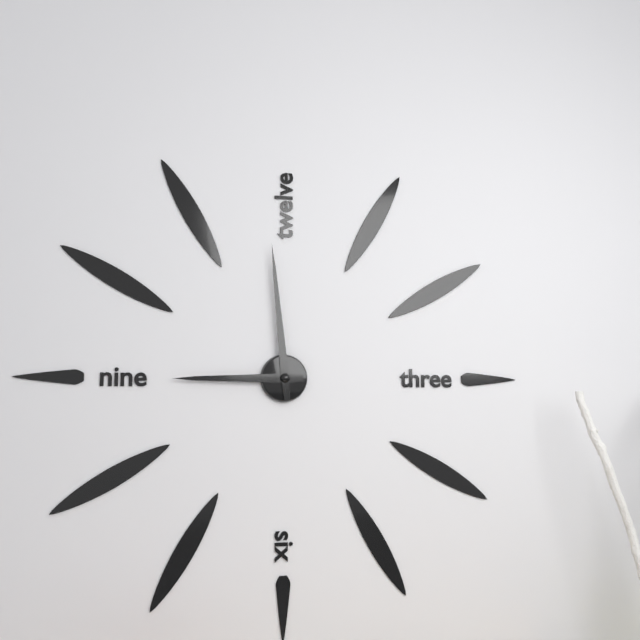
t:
8:59
